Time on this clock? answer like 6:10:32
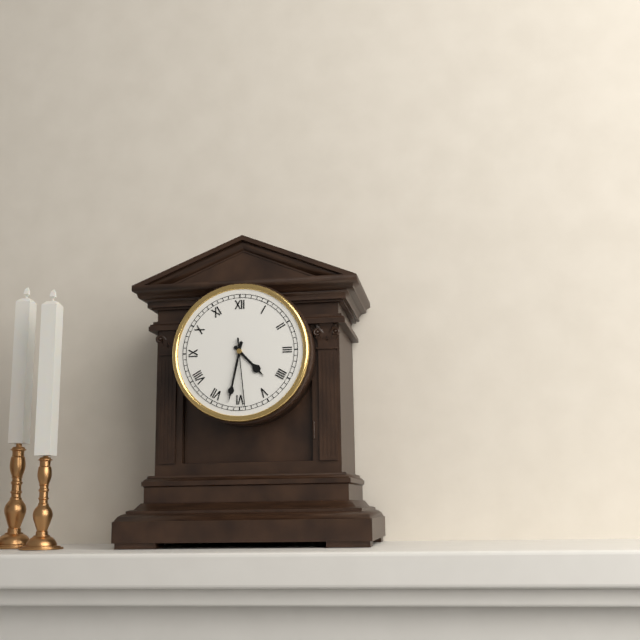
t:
4:32:29
